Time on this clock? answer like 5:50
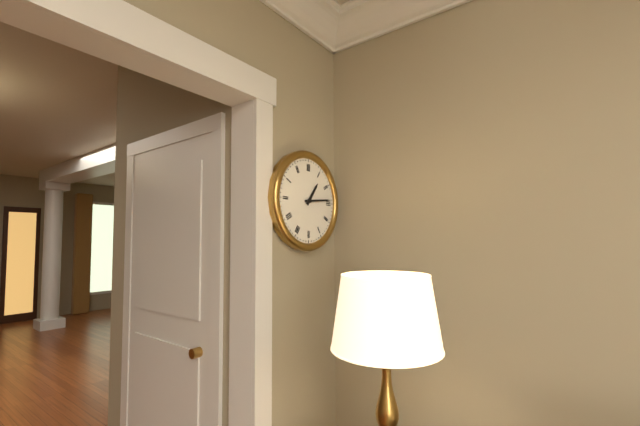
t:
1:14
